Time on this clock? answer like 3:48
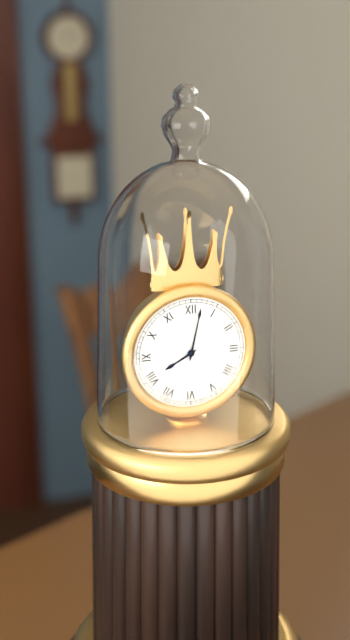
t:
8:02
